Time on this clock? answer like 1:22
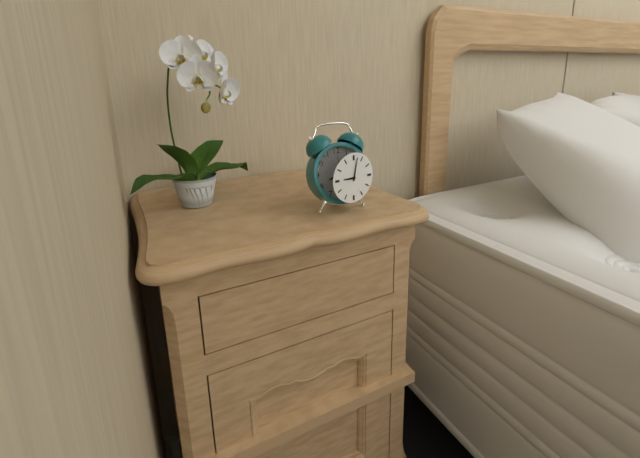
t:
9:02
